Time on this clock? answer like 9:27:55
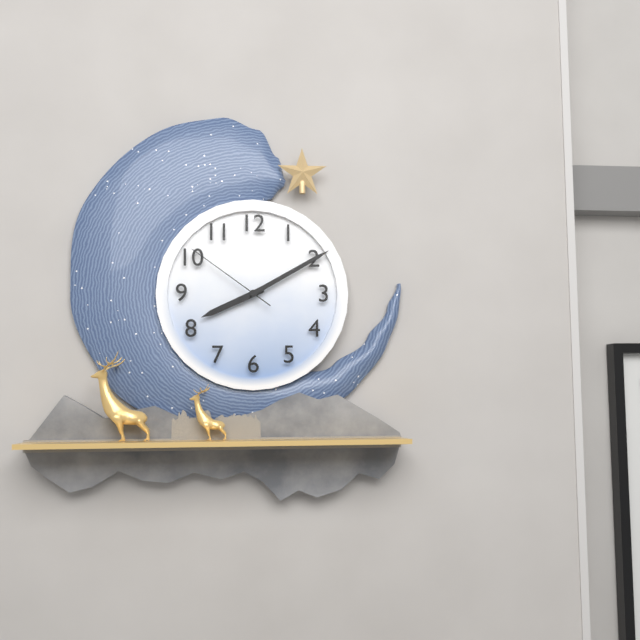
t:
8:10:51
